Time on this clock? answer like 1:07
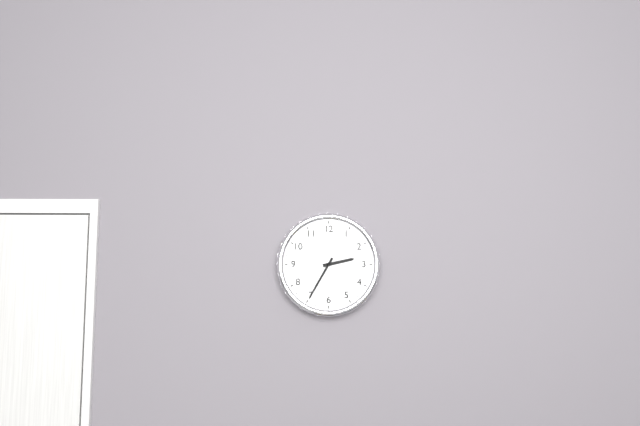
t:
2:35
